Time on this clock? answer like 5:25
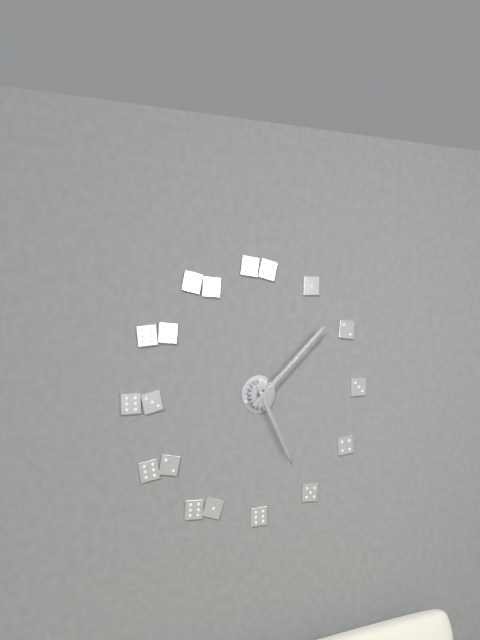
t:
5:08
